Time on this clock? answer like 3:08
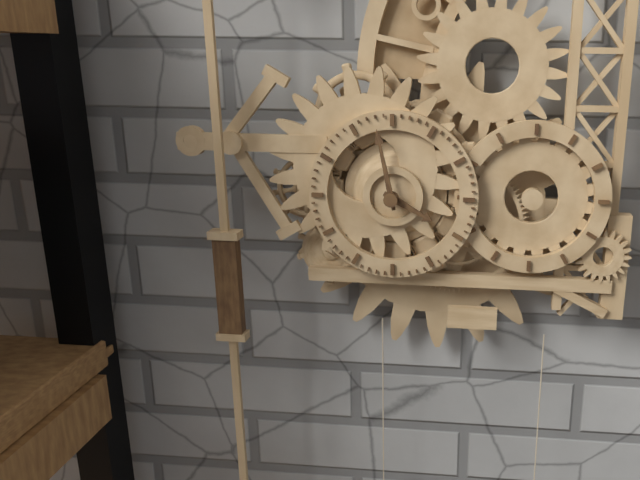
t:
3:58
